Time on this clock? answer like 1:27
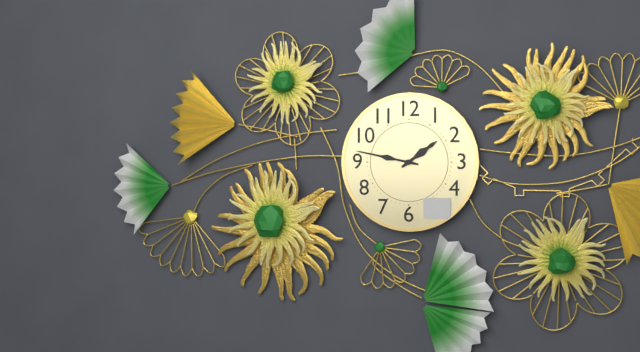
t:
1:47
